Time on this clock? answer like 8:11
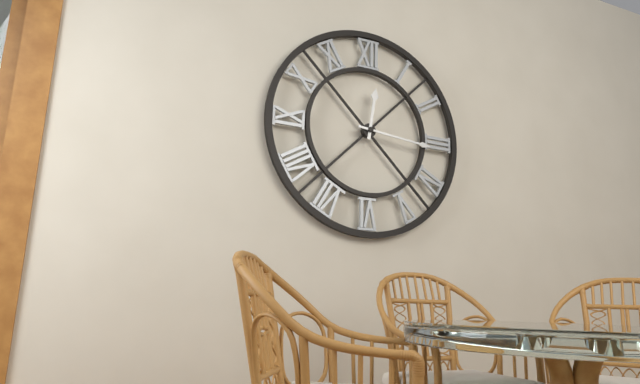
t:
12:16
